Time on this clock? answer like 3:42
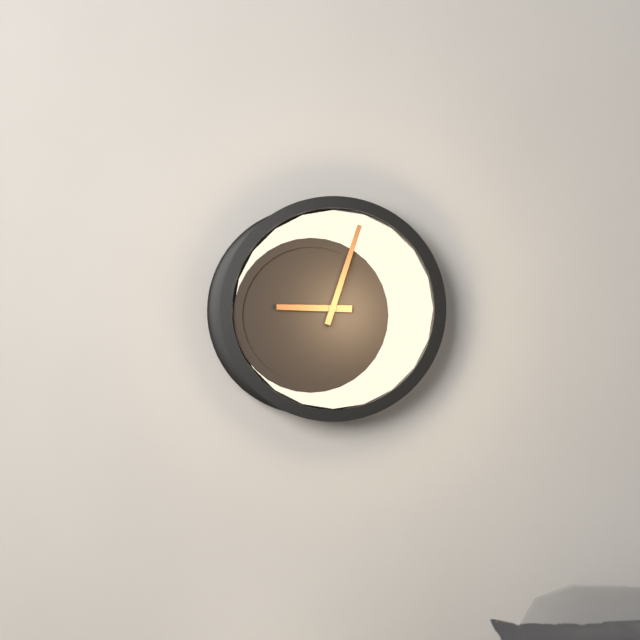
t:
9:03
